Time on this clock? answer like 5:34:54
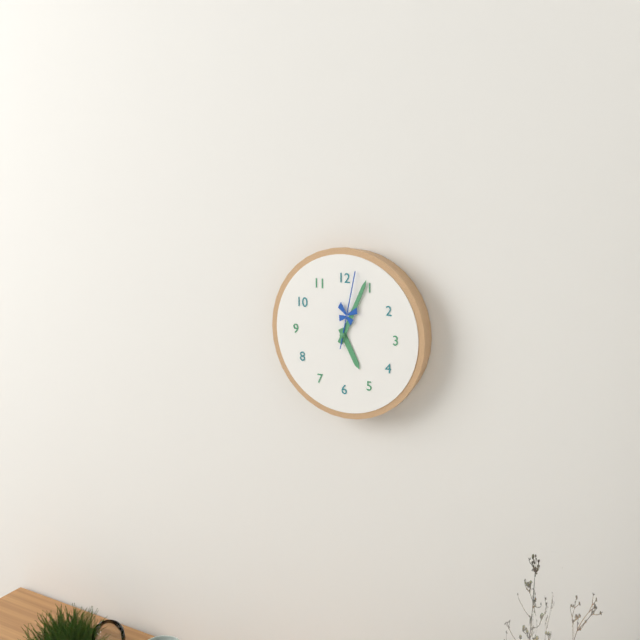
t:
5:04:02
